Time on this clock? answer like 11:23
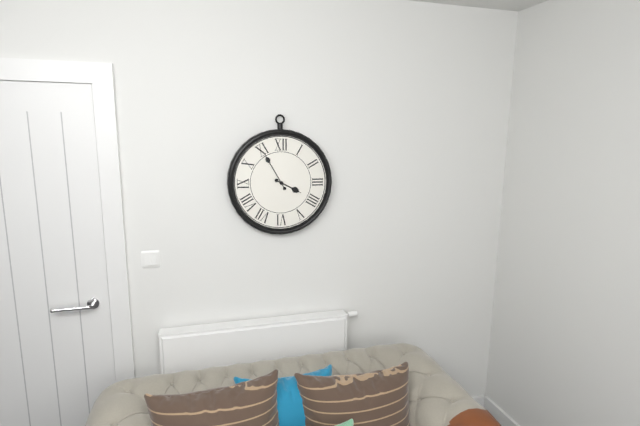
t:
3:55
